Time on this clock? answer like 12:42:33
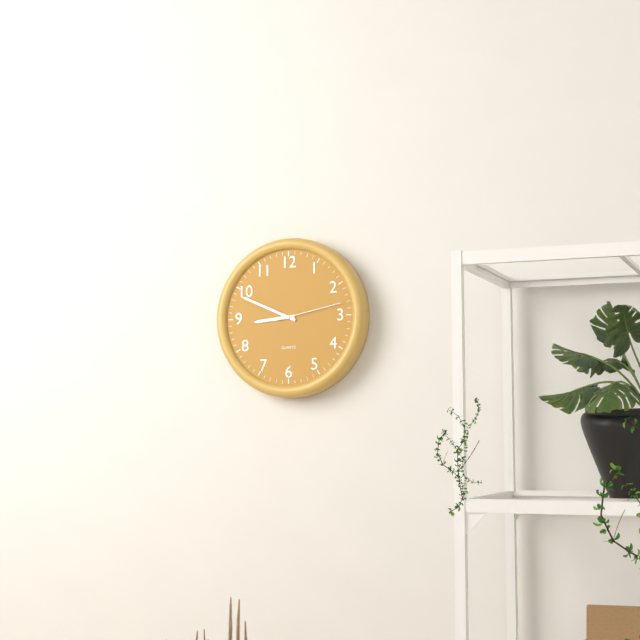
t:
8:49:13
